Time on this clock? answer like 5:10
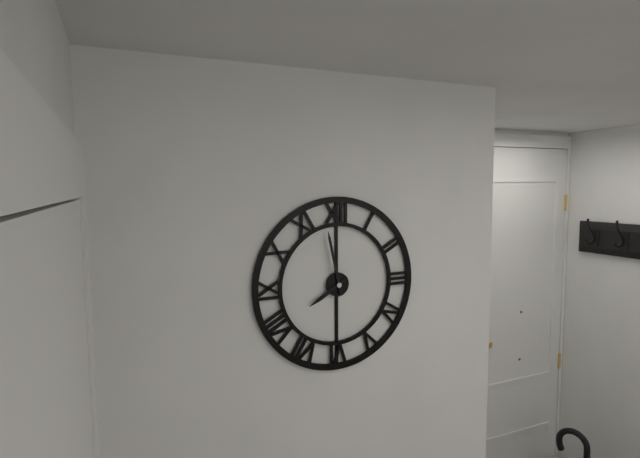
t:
7:58
